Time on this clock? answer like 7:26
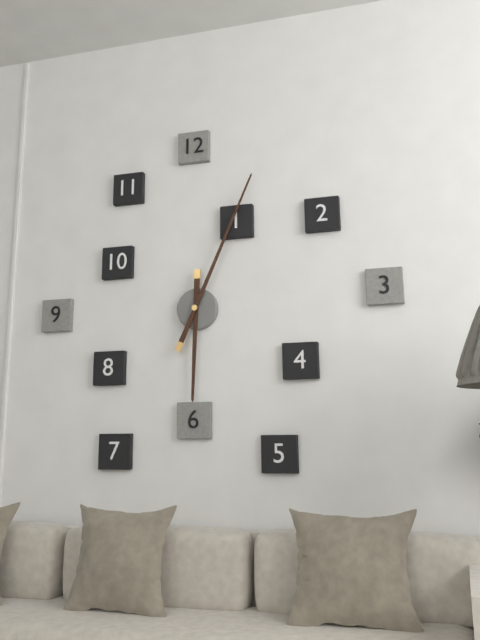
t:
6:04
